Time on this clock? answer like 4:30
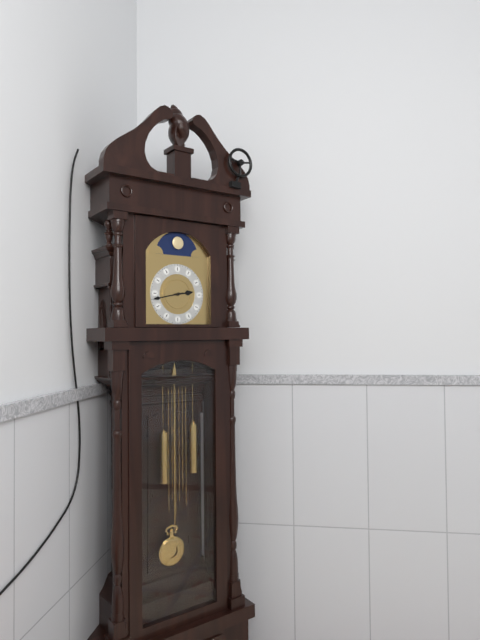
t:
2:43
